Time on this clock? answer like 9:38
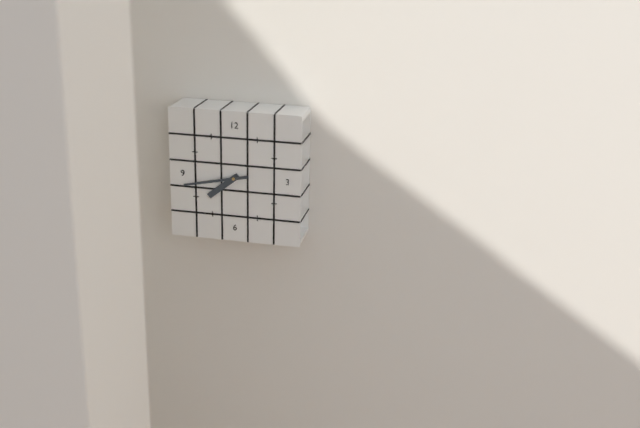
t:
7:43
